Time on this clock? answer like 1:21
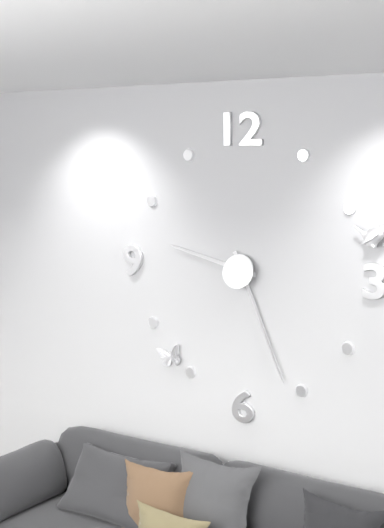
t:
9:26
